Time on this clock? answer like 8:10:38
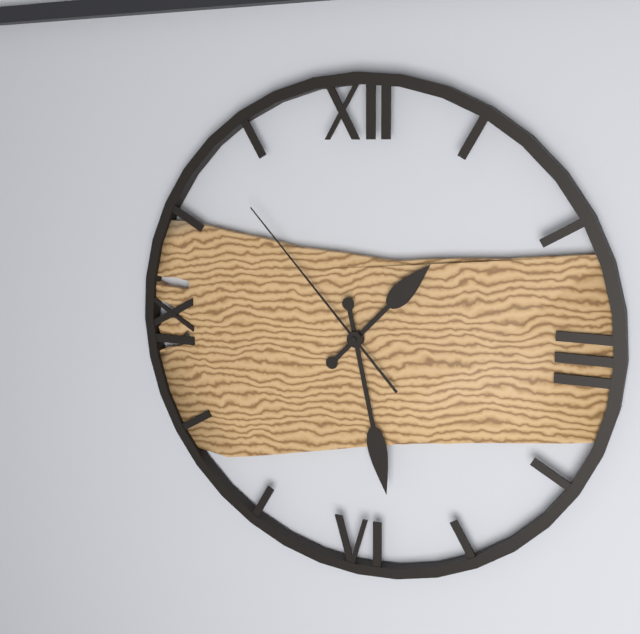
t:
1:28:53
